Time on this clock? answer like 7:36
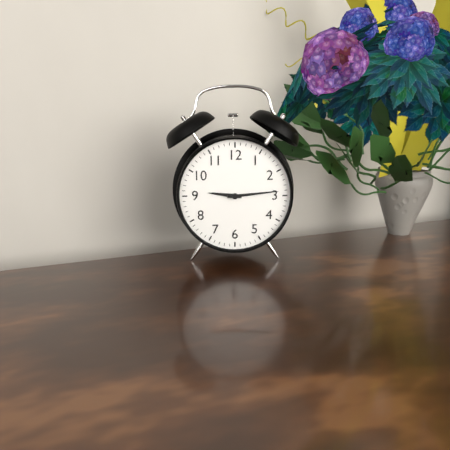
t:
9:14
